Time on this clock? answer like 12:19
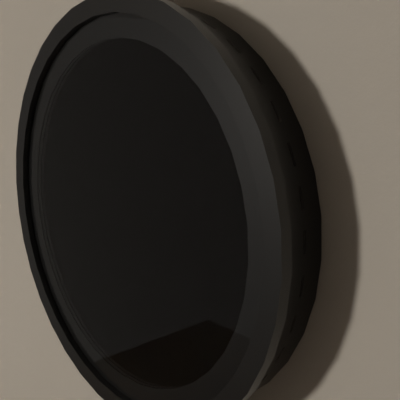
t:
2:02
